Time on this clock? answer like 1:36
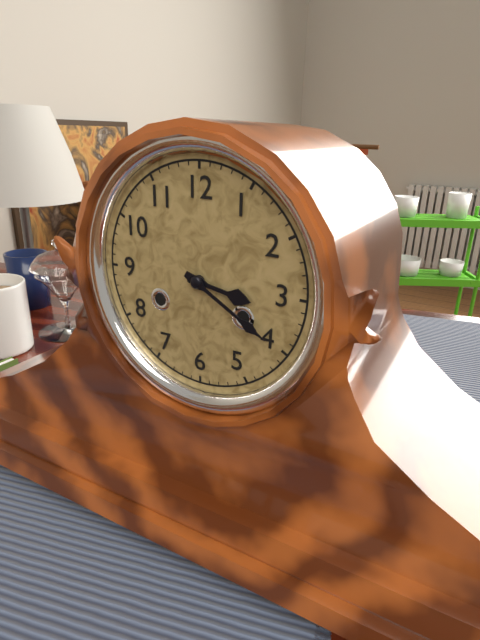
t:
3:20
